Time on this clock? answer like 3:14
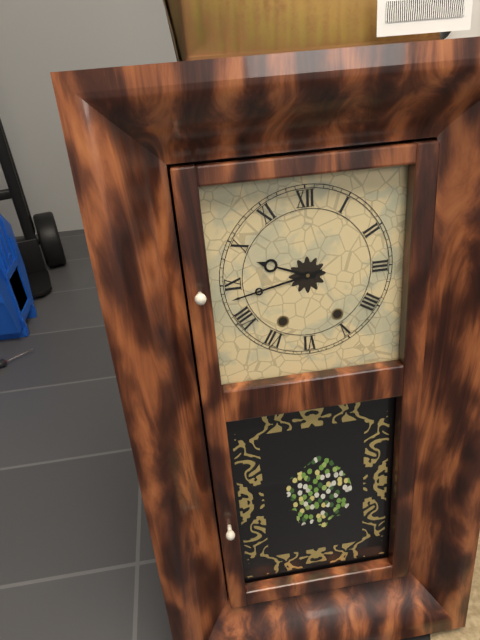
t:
9:43
